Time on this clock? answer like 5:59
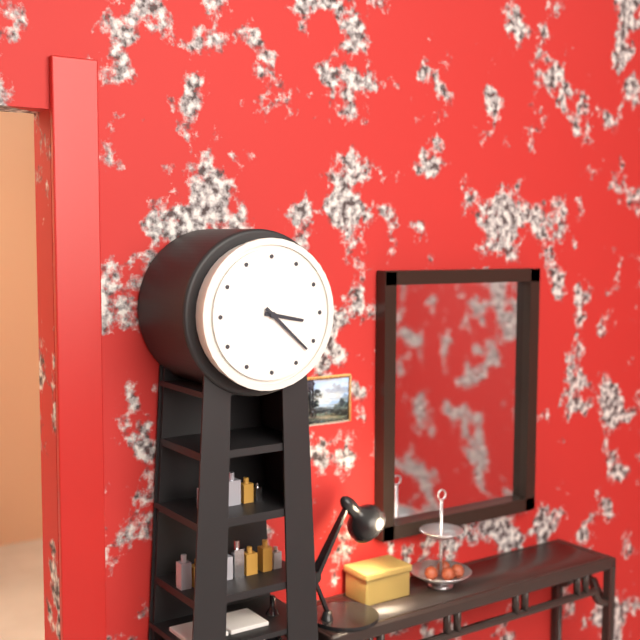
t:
3:22
